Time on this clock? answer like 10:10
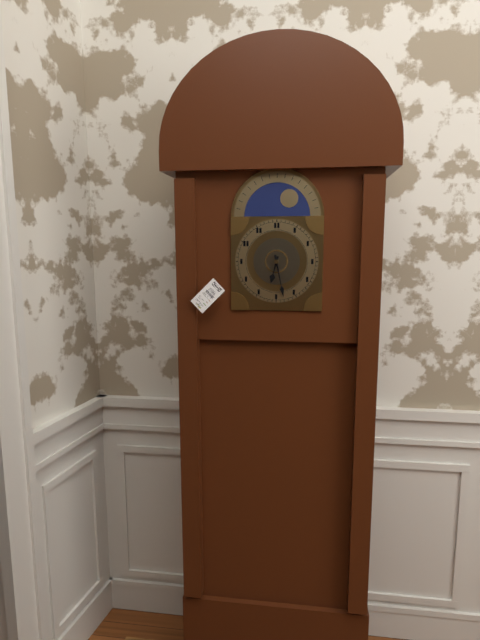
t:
6:28
